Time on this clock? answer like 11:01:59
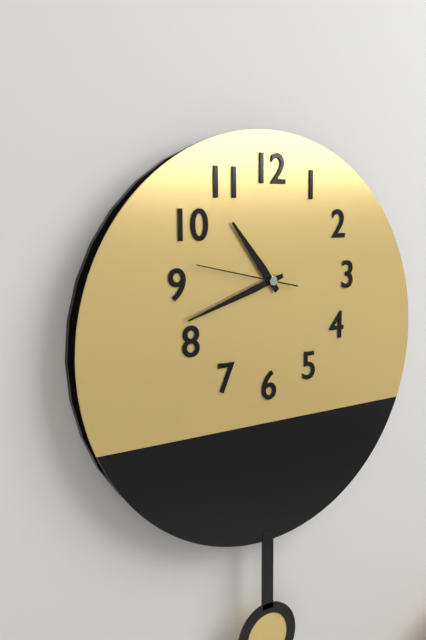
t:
10:42:47
